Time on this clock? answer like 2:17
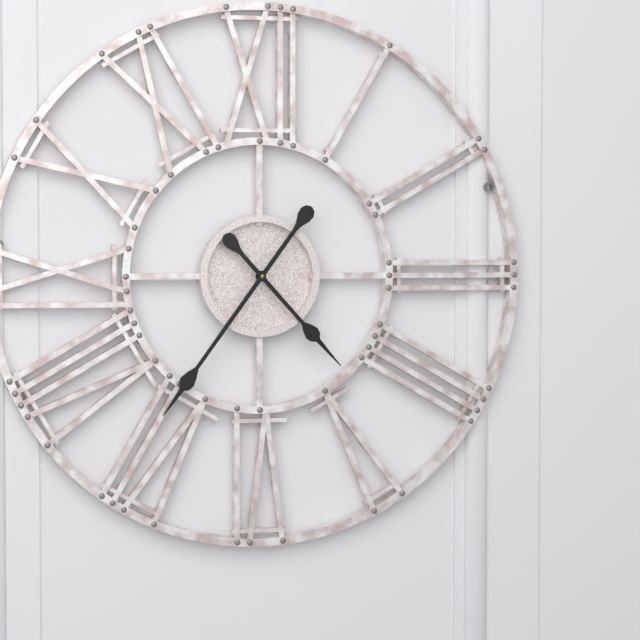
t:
4:36
